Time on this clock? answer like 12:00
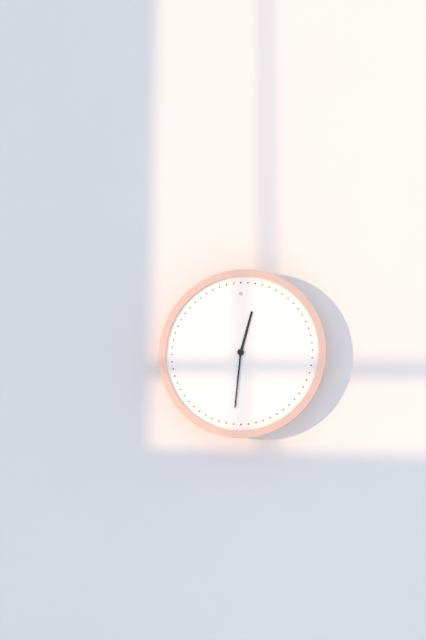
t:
12:31
